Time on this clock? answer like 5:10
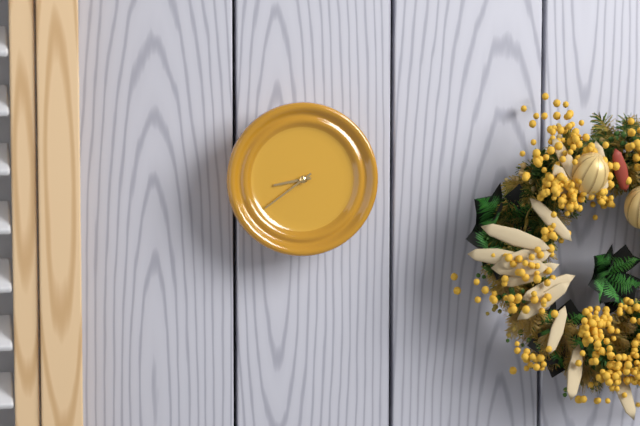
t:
8:39
